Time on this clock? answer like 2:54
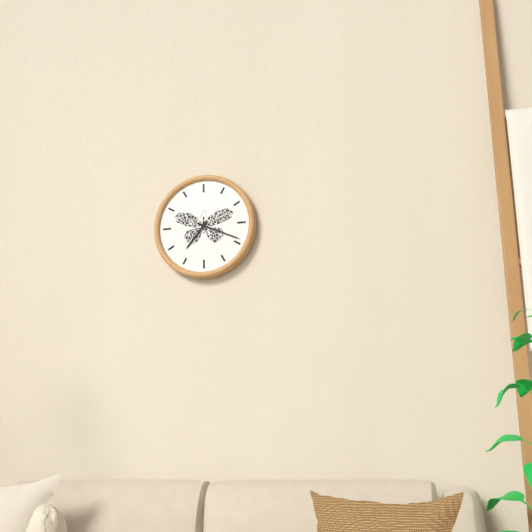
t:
7:19
